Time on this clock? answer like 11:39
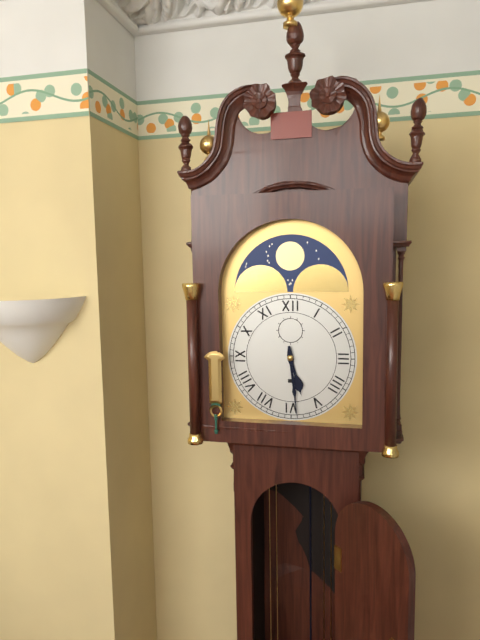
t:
5:29
